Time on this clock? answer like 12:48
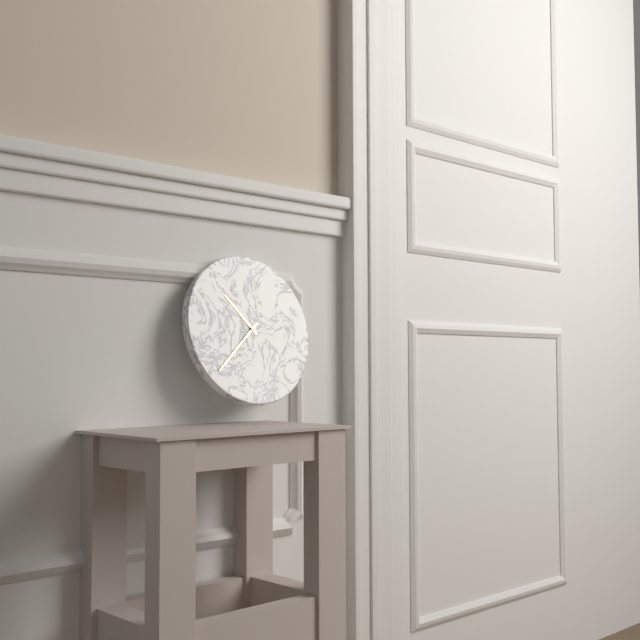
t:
10:38
